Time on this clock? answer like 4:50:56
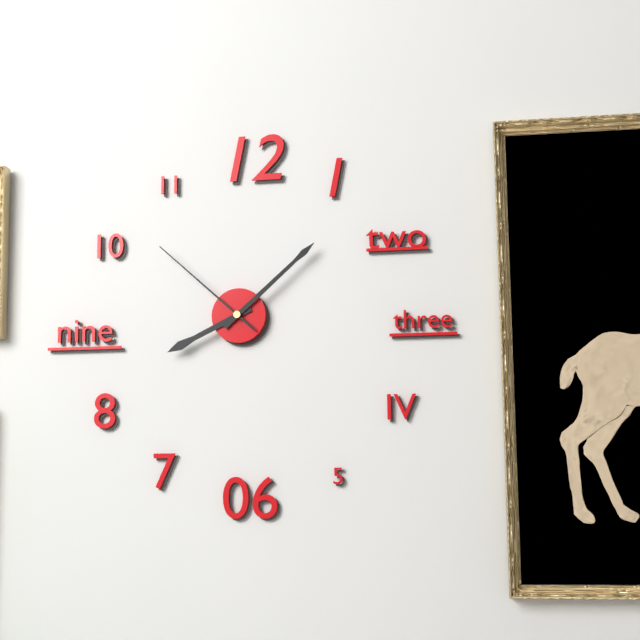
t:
8:08:52
